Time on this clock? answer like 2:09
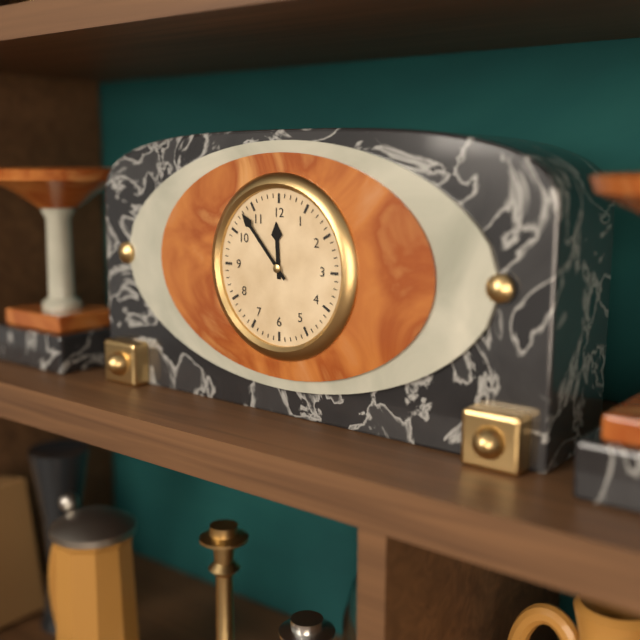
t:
11:53
